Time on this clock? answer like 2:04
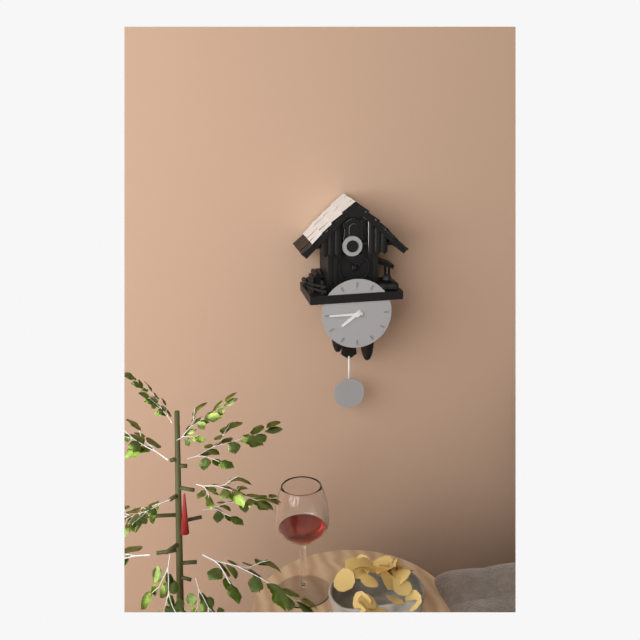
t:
7:45
